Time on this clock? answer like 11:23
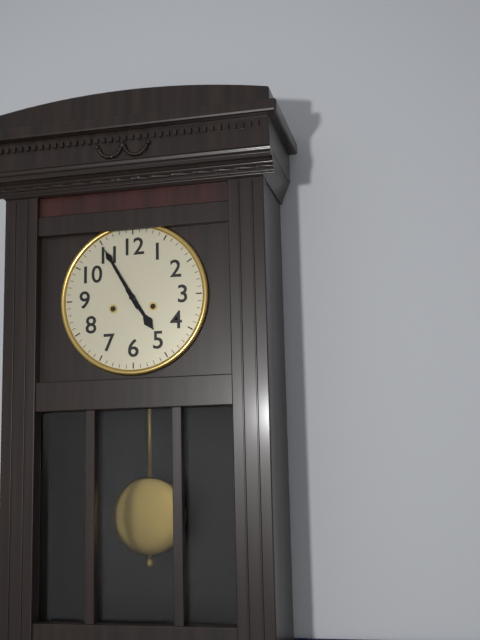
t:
4:55
